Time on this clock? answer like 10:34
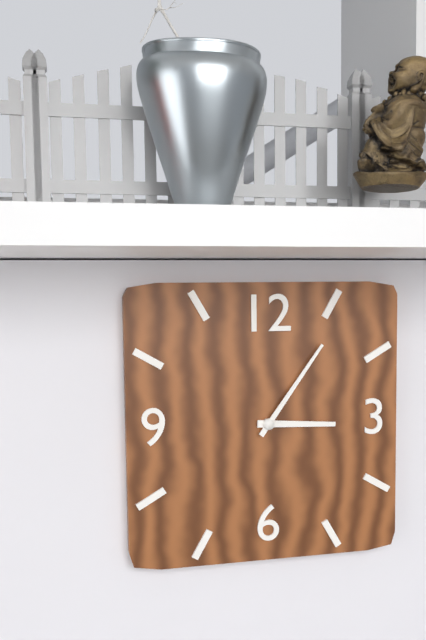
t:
3:06
